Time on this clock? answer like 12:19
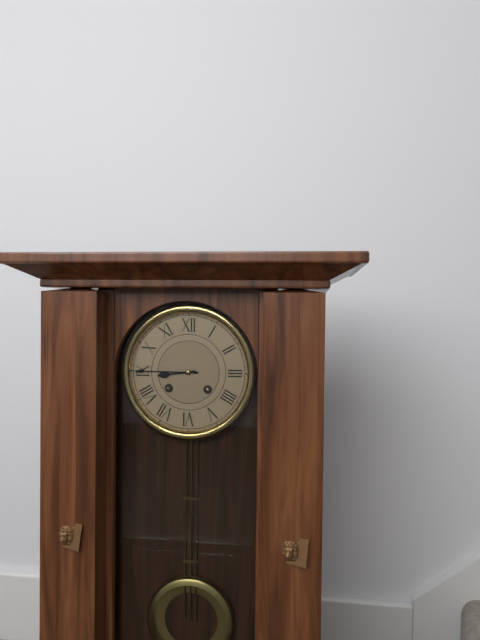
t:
8:45
